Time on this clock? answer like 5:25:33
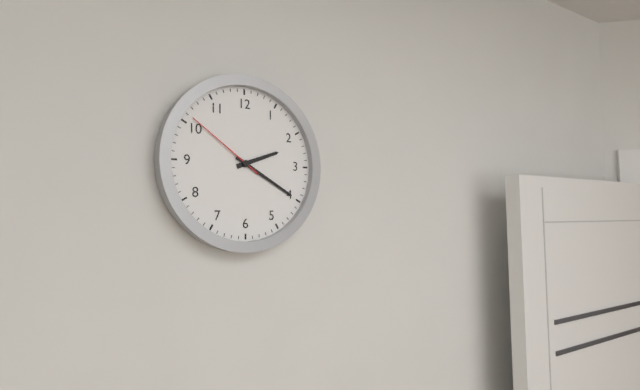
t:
2:20:51
